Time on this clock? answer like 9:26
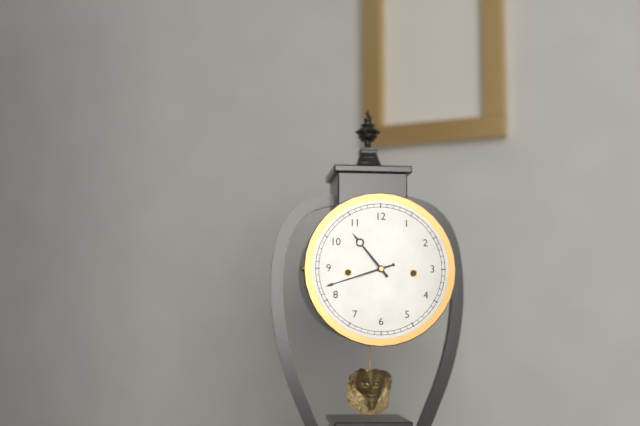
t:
10:42
